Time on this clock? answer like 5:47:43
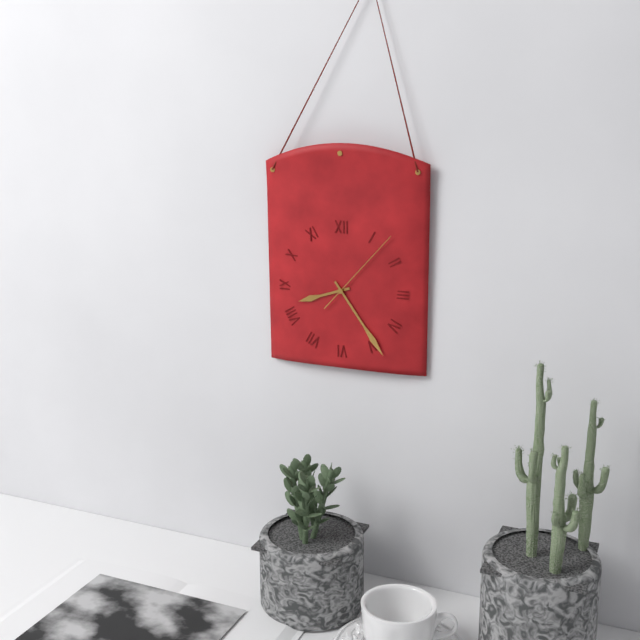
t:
8:24:07
